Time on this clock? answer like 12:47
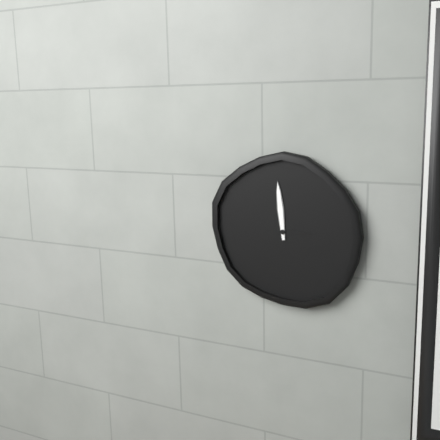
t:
2:59
